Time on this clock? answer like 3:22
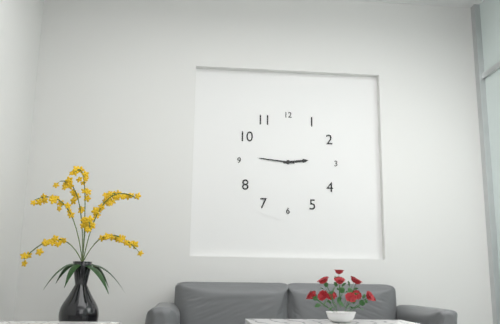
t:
2:46
